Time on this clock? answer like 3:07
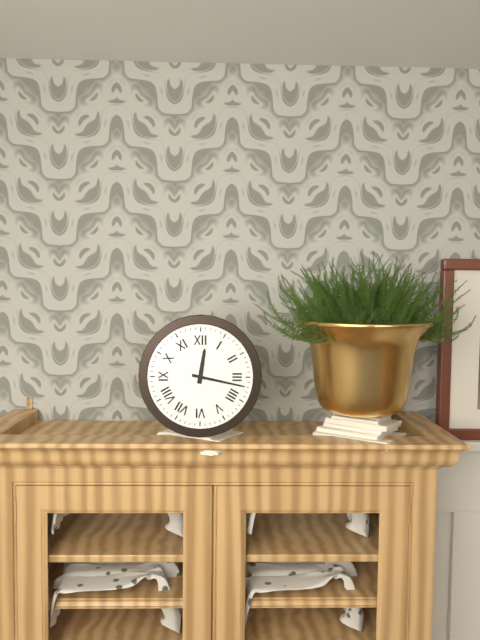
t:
12:17
